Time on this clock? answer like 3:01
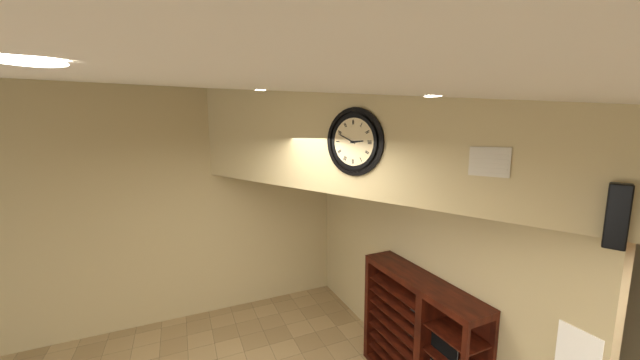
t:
2:49
